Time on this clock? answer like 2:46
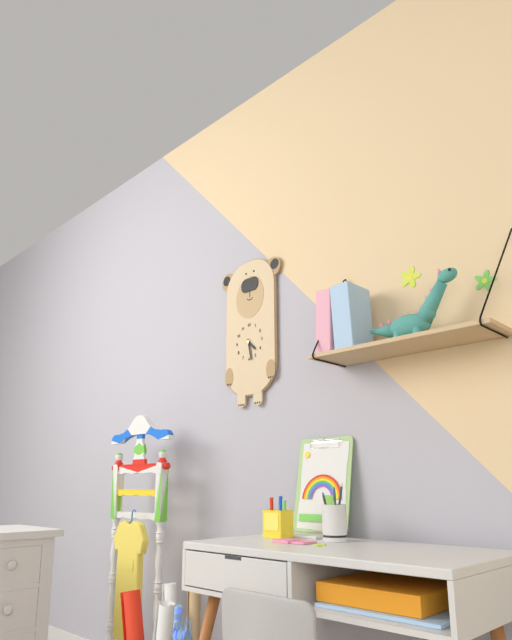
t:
4:28
